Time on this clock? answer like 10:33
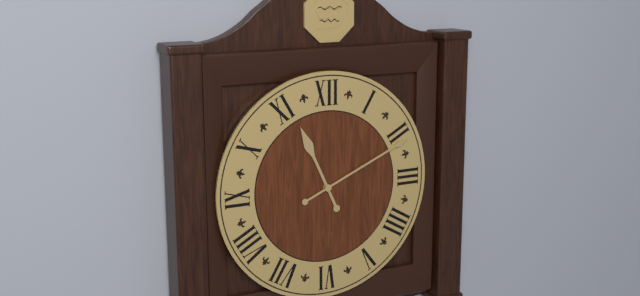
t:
11:11
